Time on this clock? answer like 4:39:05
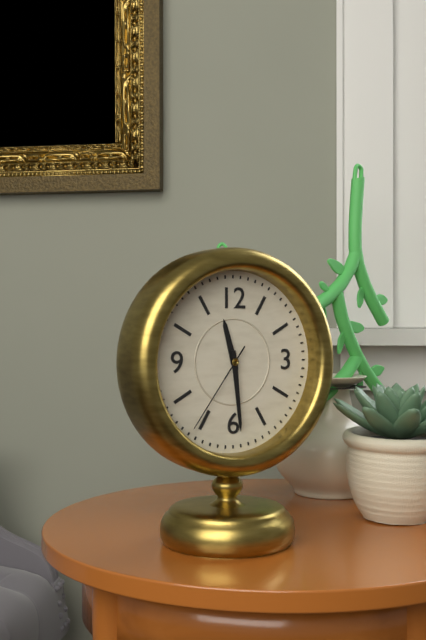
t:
11:29:36
